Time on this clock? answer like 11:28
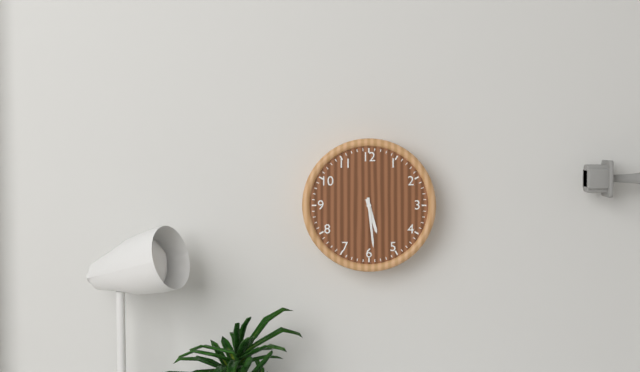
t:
5:29
